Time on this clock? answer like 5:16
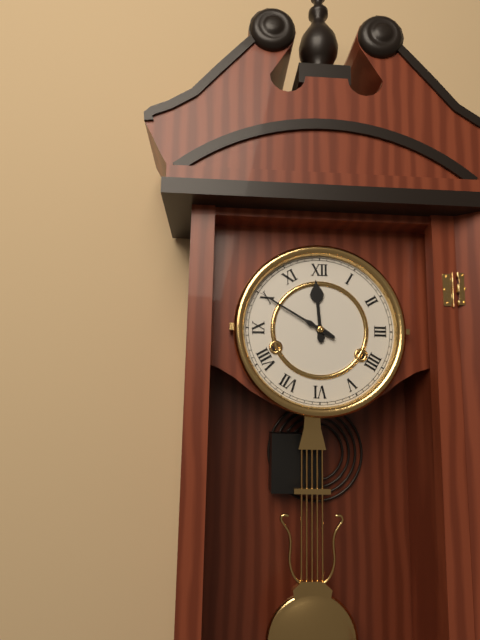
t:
11:50
